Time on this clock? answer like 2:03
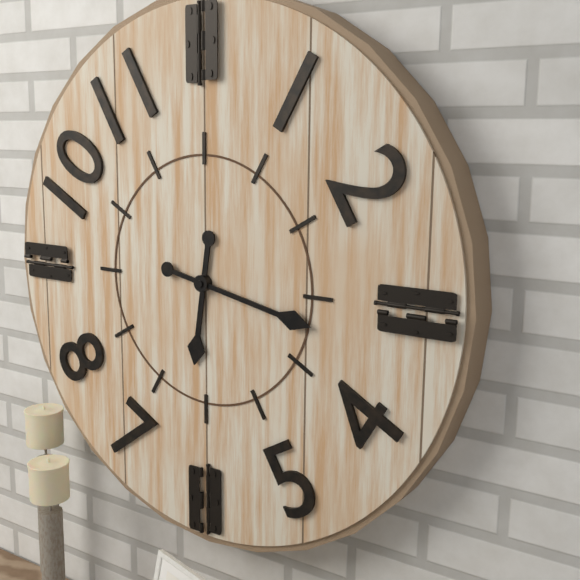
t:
6:17
